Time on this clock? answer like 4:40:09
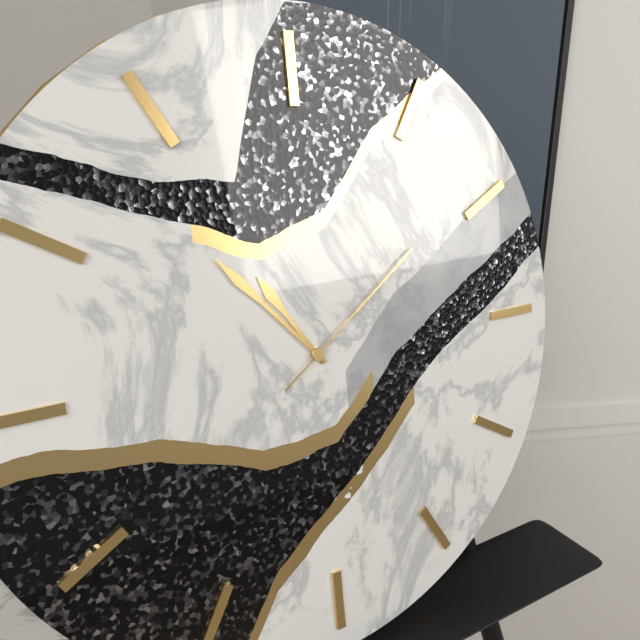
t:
10:53:09
